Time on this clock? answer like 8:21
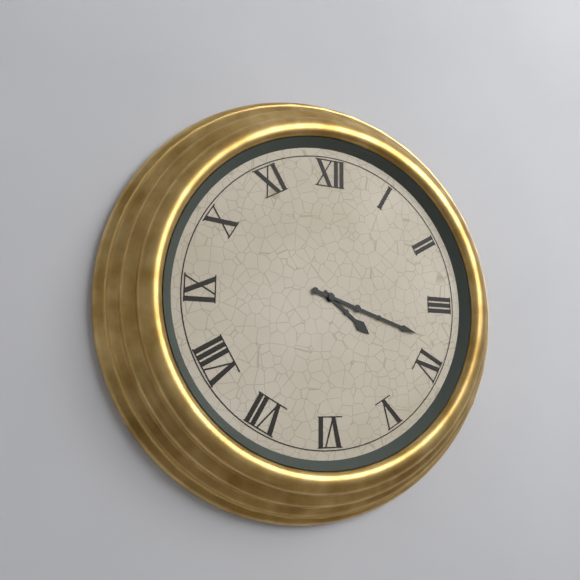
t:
4:18
